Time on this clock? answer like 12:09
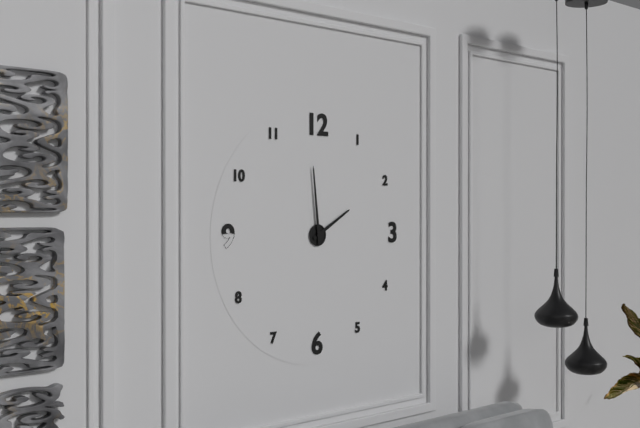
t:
1:59
